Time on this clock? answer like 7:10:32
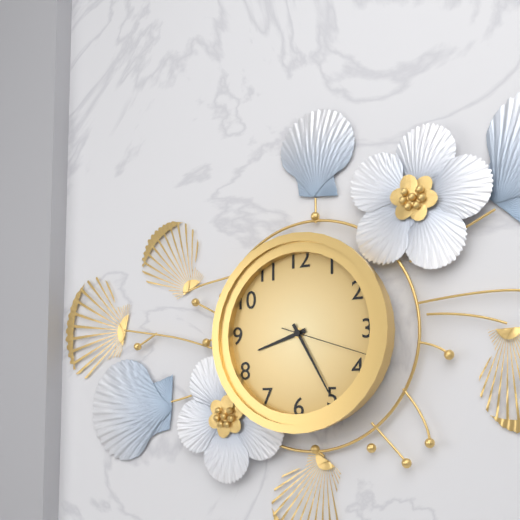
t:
8:25:18
